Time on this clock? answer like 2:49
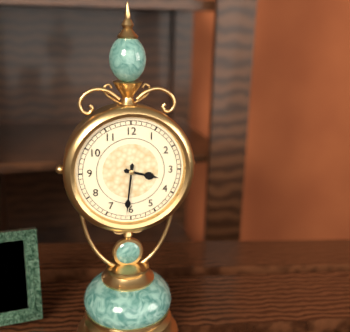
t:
3:31
